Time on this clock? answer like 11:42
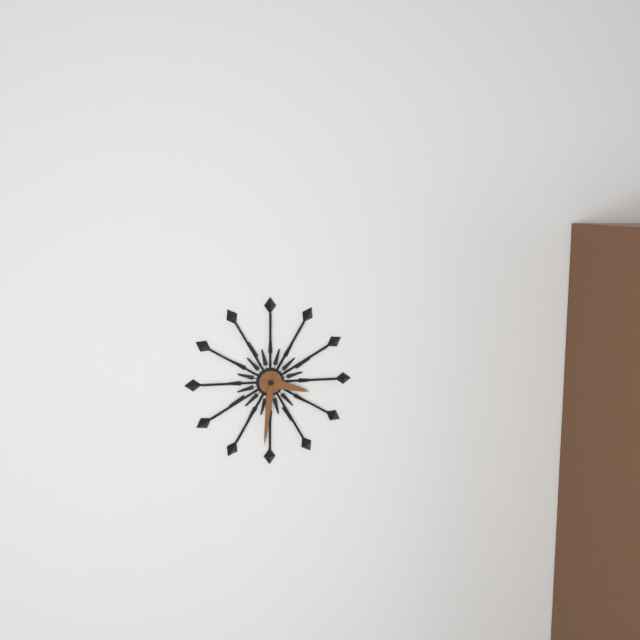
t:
3:31
